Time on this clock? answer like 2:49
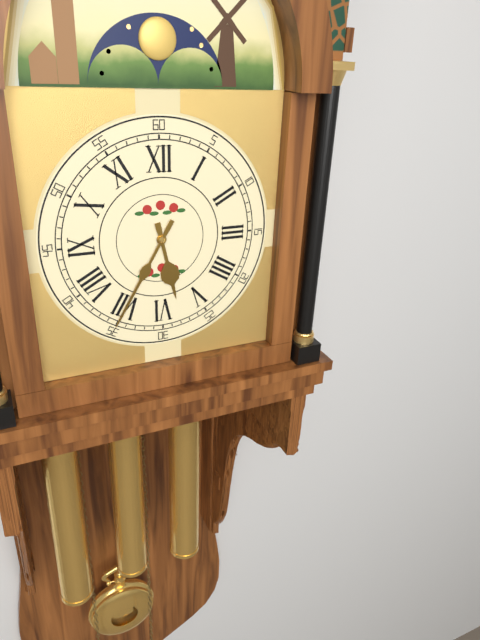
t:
5:35
